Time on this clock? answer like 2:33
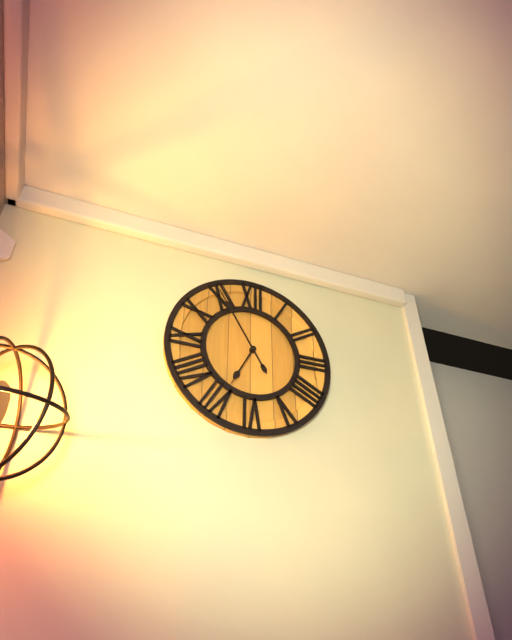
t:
6:55
